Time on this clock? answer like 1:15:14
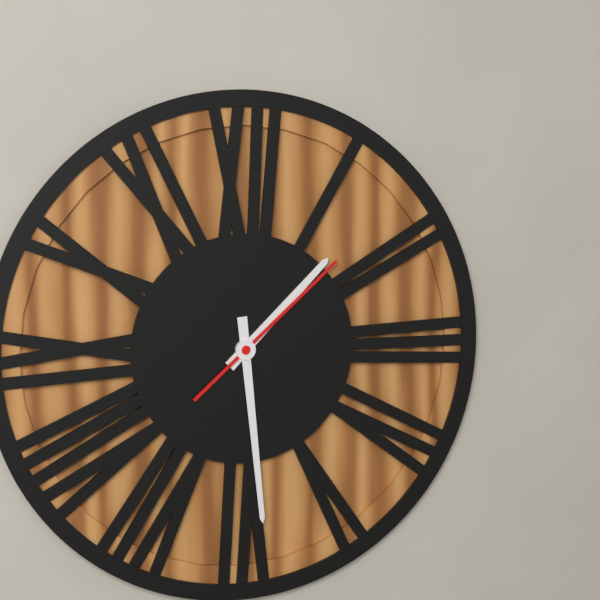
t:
1:29:08
